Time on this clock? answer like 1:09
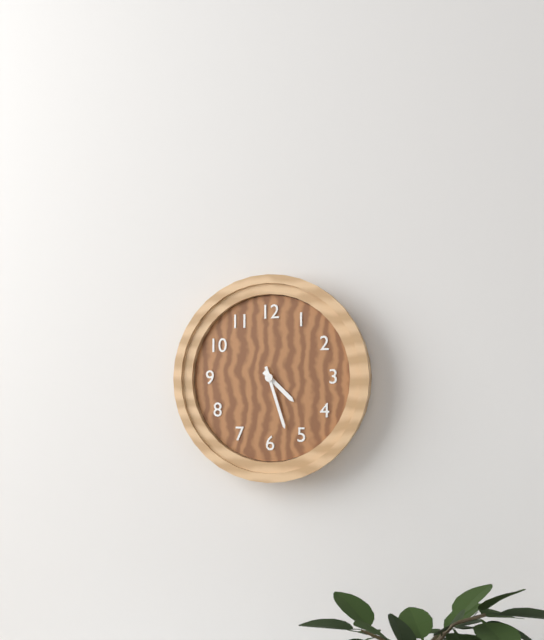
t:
4:27
